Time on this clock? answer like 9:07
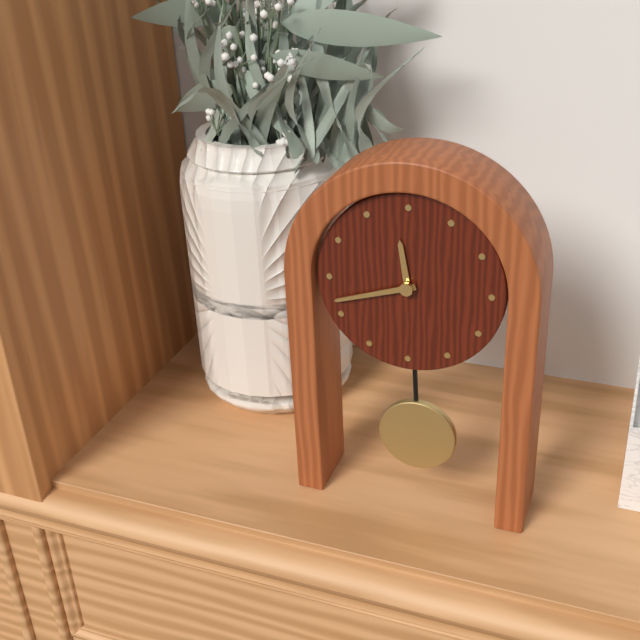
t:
11:42
